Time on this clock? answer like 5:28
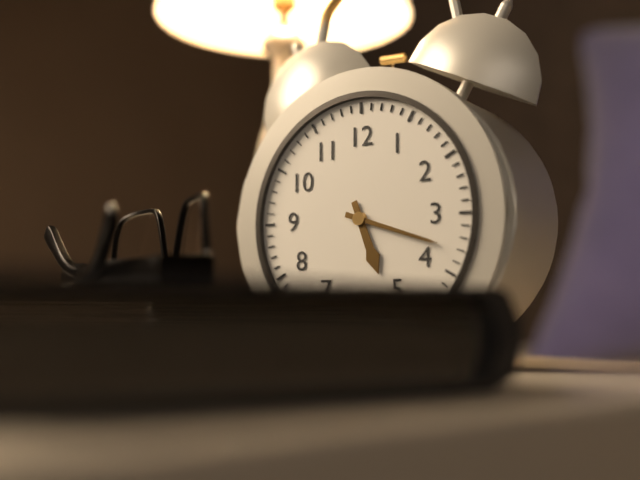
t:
5:18
